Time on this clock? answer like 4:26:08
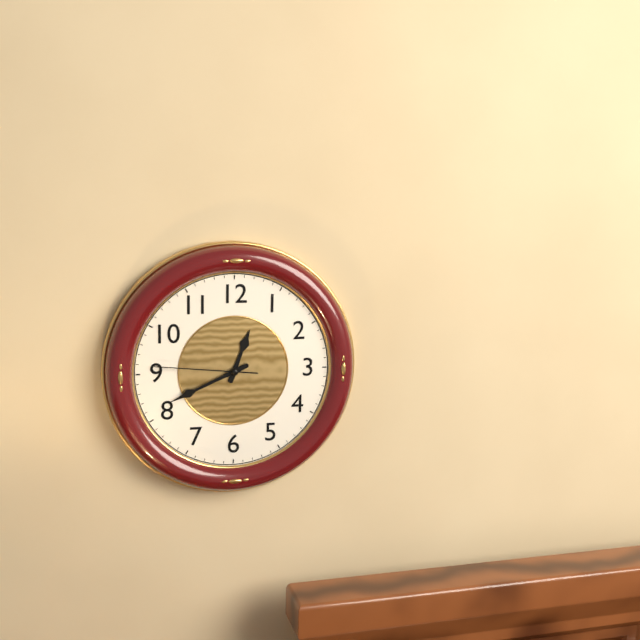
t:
12:41:46
